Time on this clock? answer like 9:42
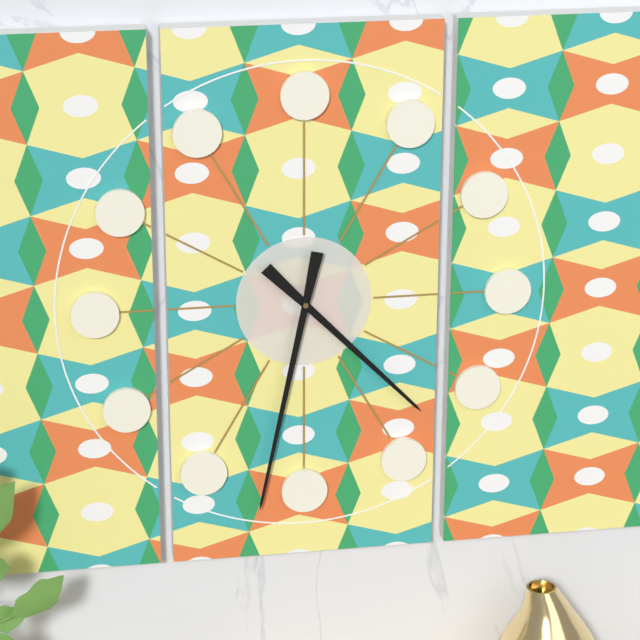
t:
4:32
